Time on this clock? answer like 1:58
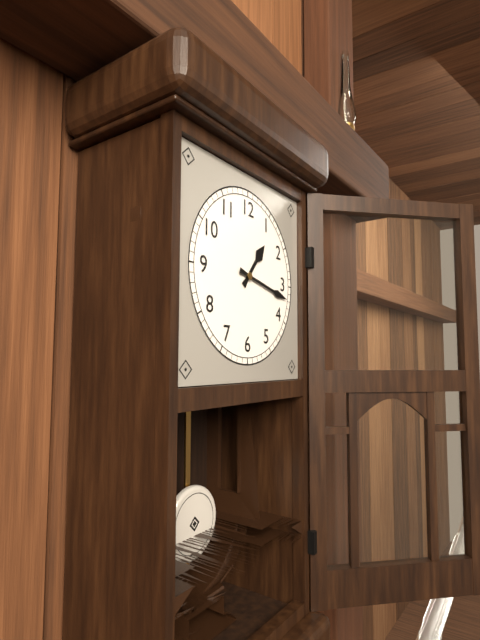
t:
1:17
